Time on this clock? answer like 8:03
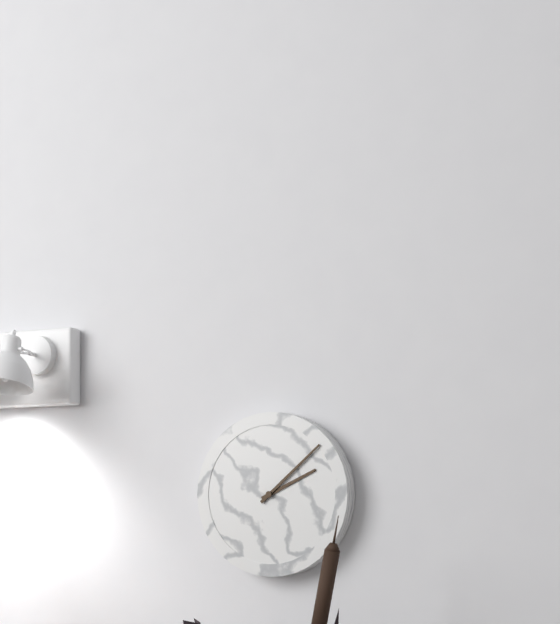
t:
2:08
